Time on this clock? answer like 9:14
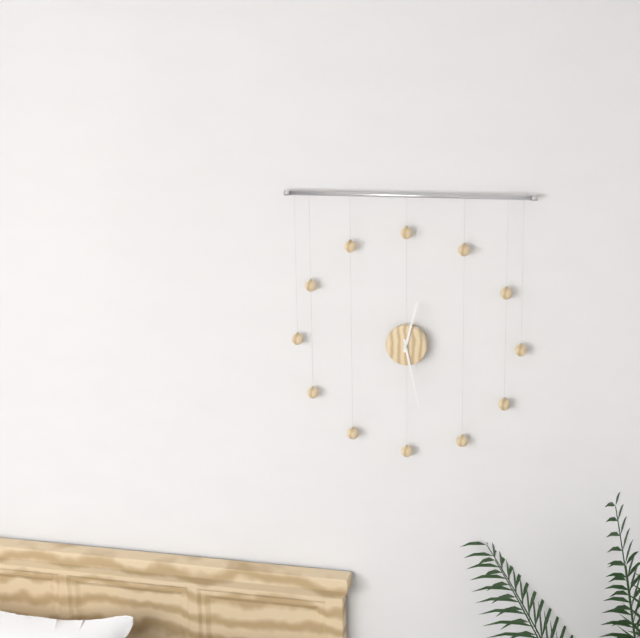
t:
12:28
